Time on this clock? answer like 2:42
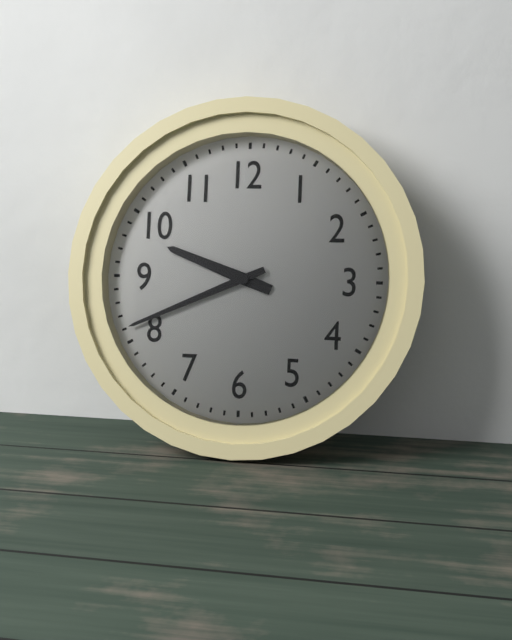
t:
9:41
